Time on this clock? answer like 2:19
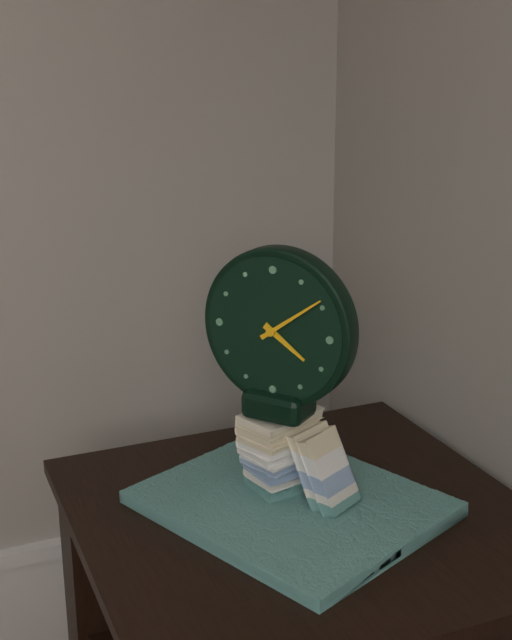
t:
4:09
